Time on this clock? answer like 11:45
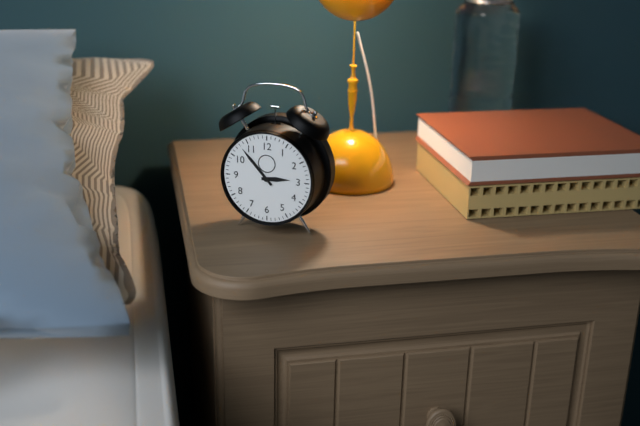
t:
2:53
